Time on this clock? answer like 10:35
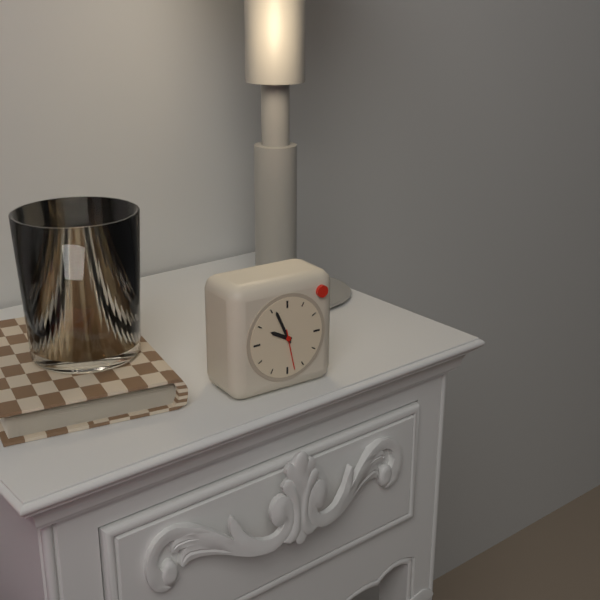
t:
9:56
